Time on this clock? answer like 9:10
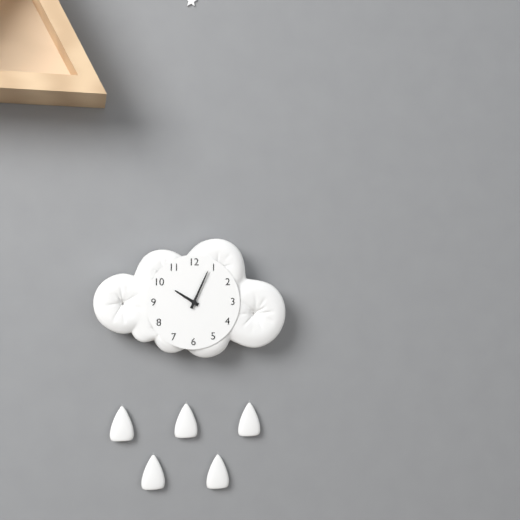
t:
10:04
